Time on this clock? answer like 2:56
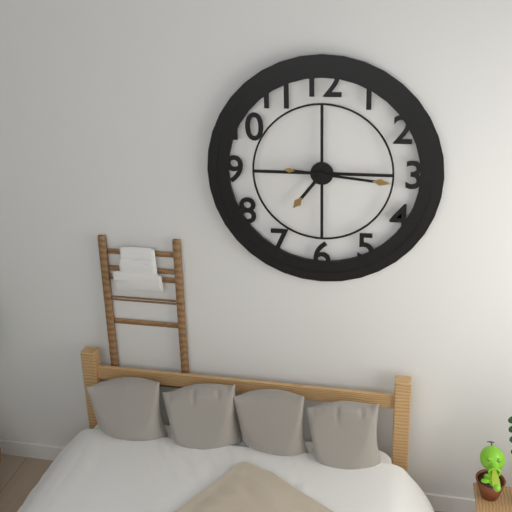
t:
7:16
